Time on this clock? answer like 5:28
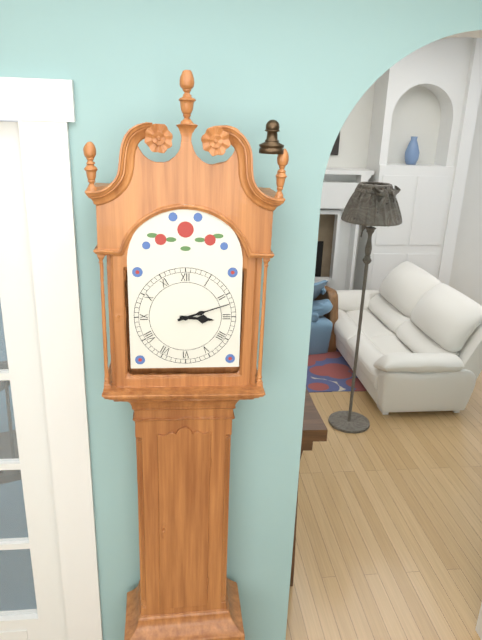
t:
3:12
